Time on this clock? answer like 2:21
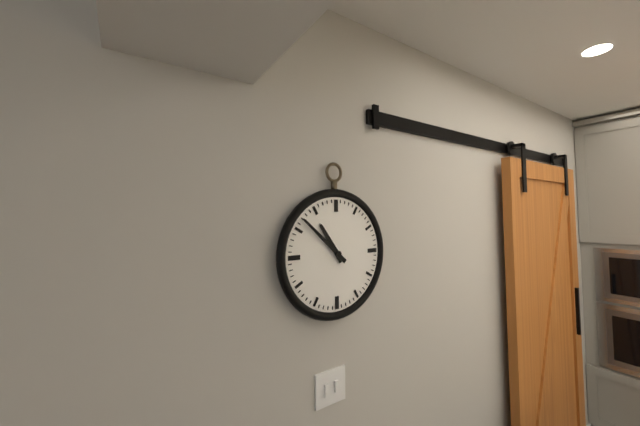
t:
10:52
